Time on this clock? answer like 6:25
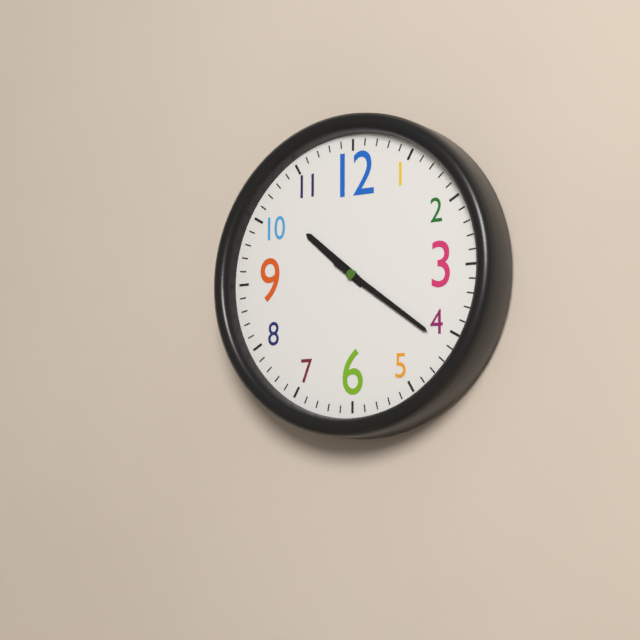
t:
10:21
